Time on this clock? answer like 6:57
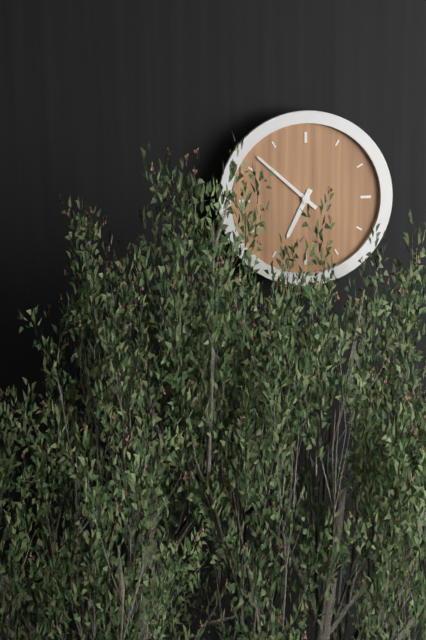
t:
6:52
